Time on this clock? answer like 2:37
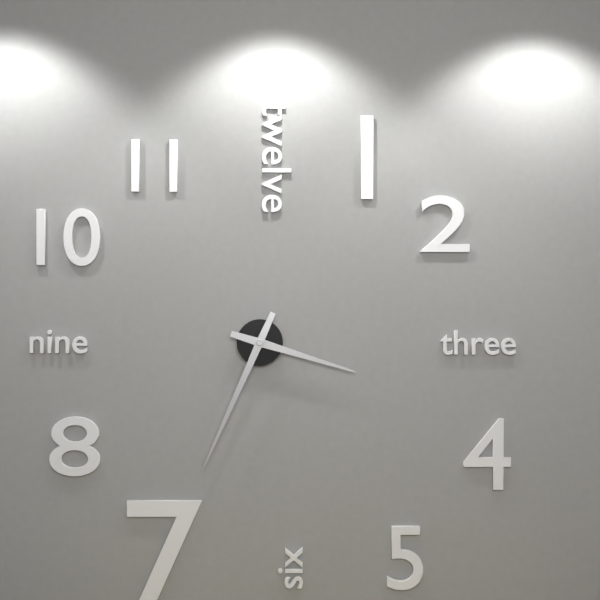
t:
3:34
